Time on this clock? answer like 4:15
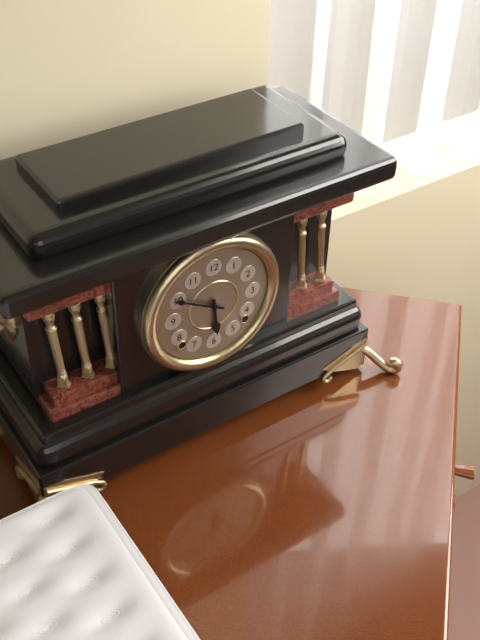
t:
5:50
